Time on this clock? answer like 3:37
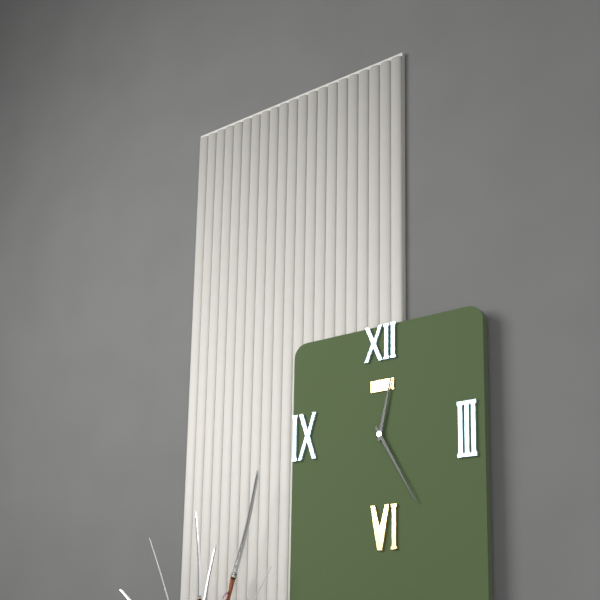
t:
12:25
